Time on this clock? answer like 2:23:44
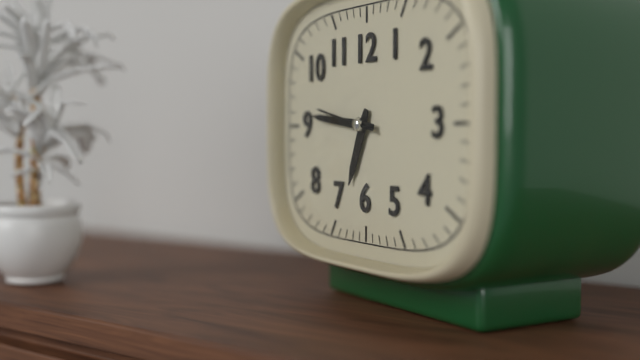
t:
6:46:47
